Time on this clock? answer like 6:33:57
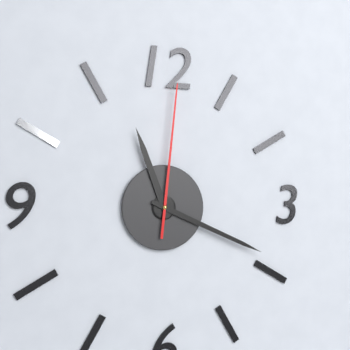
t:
11:19:01
